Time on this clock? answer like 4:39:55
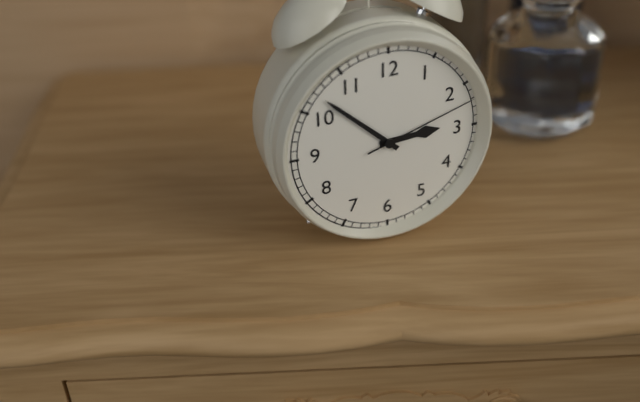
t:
2:52:12
